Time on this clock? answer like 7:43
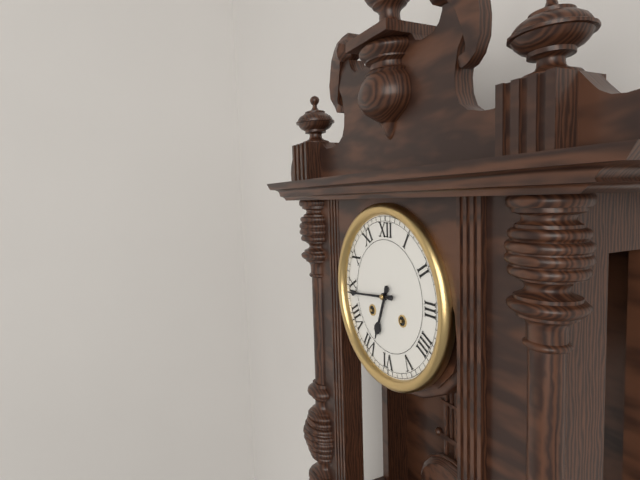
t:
6:44
